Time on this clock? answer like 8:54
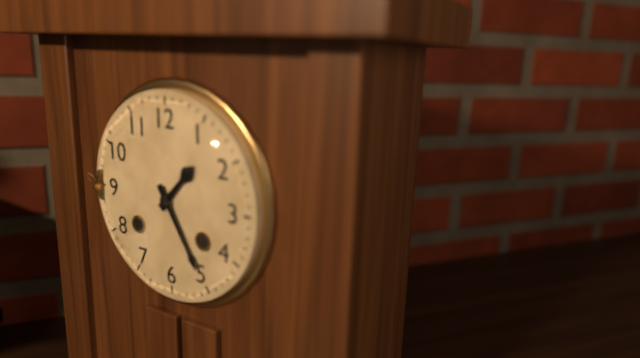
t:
1:25
